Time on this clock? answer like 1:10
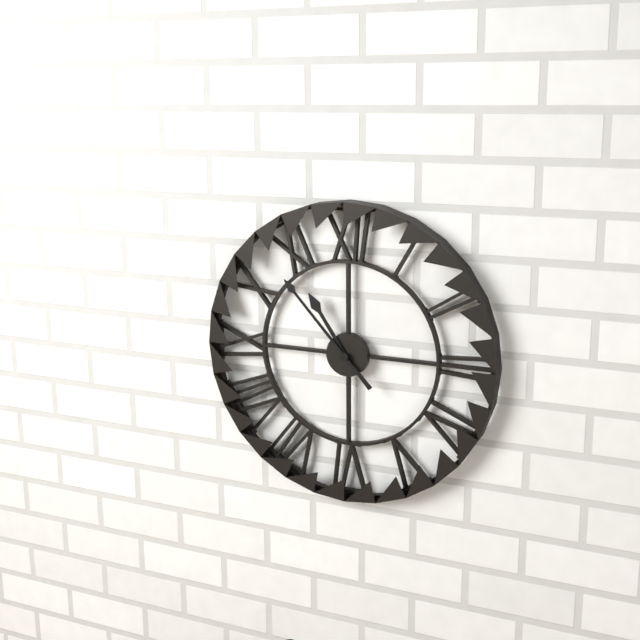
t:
10:53
